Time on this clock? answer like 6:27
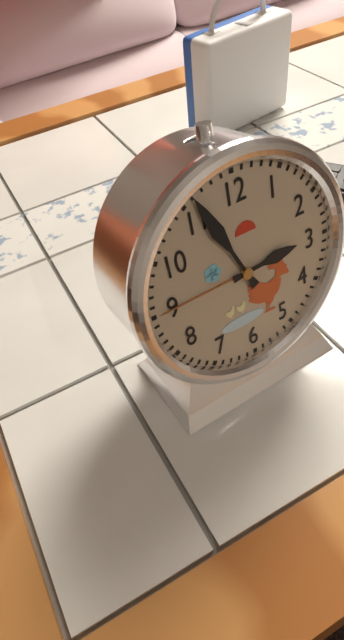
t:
2:56
